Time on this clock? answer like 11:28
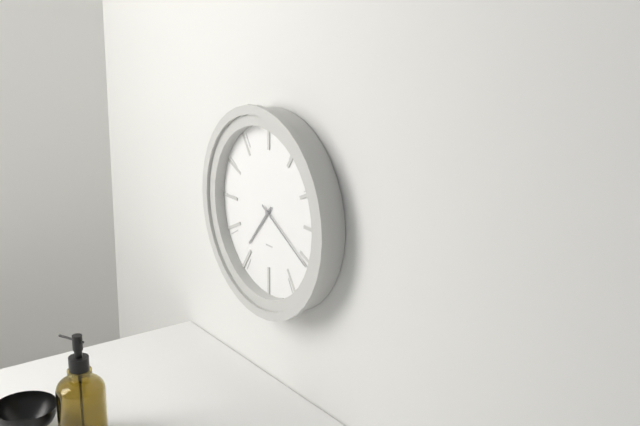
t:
7:20
